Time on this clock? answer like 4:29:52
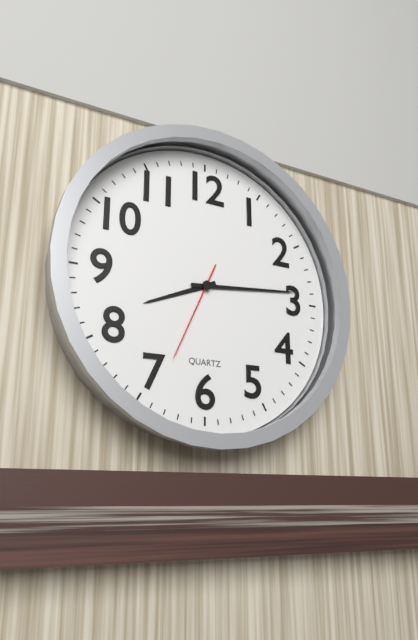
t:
8:14:34
